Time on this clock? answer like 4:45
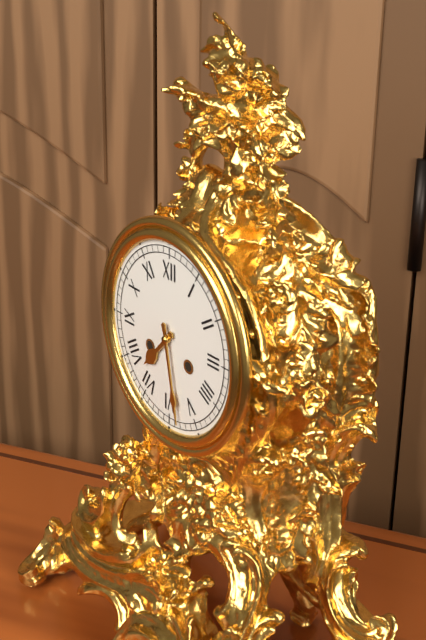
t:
7:28
